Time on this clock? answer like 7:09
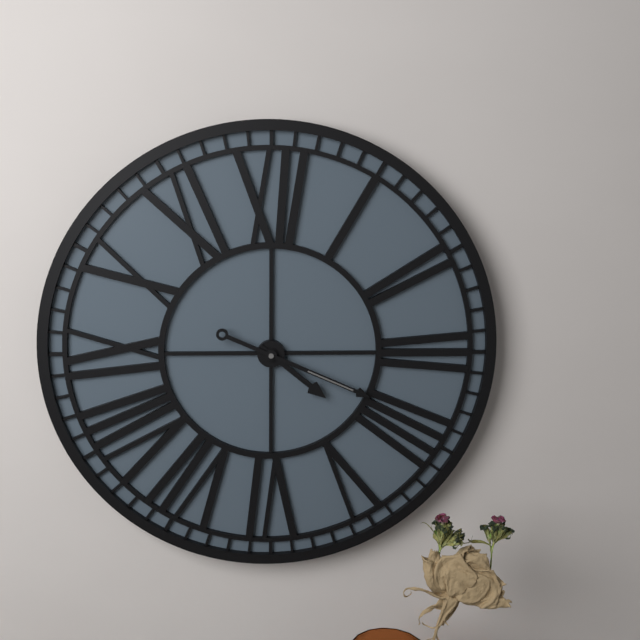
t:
4:19
